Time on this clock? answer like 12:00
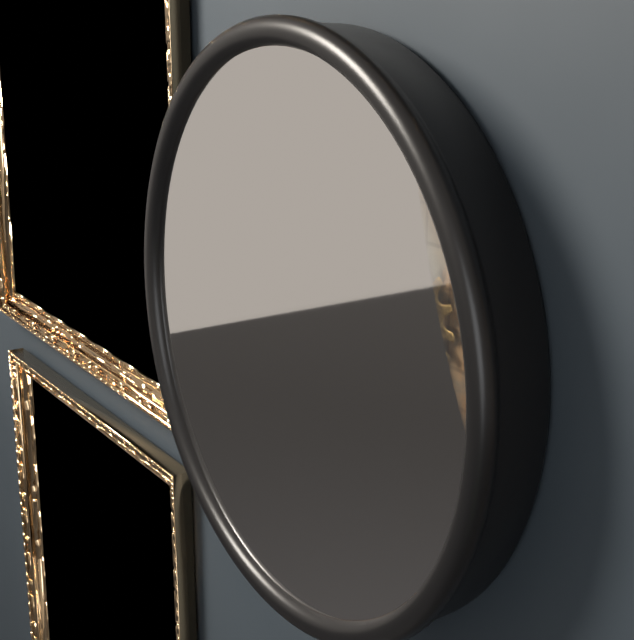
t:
6:51
